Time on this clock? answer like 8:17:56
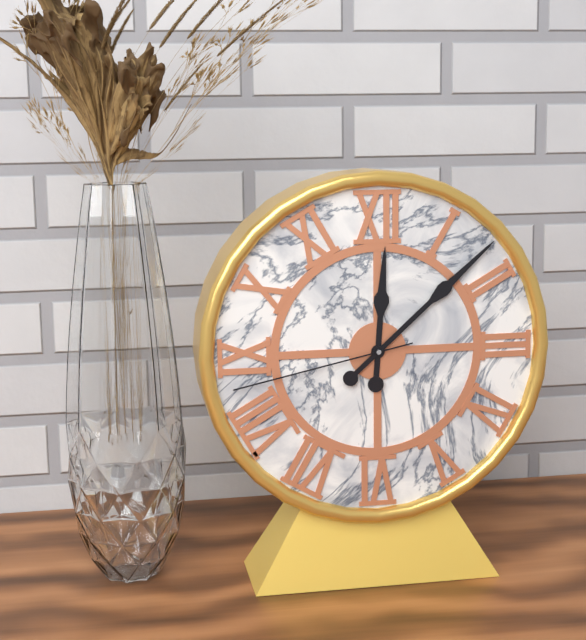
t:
12:08:43
